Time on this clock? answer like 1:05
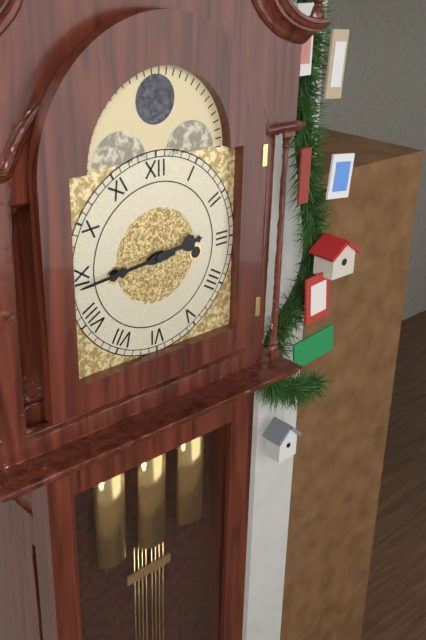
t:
2:44
